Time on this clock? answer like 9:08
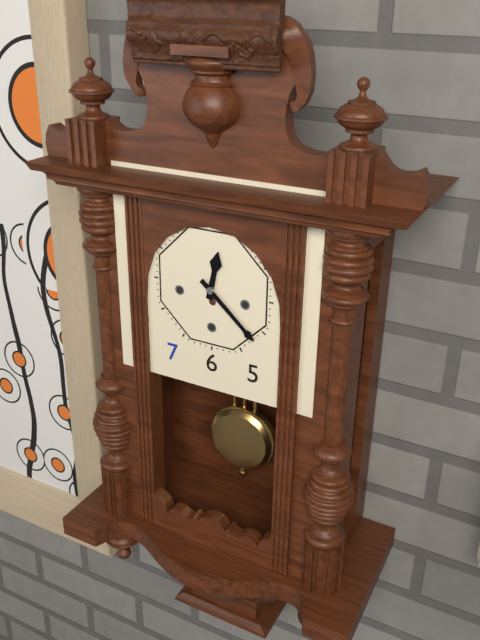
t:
12:22
